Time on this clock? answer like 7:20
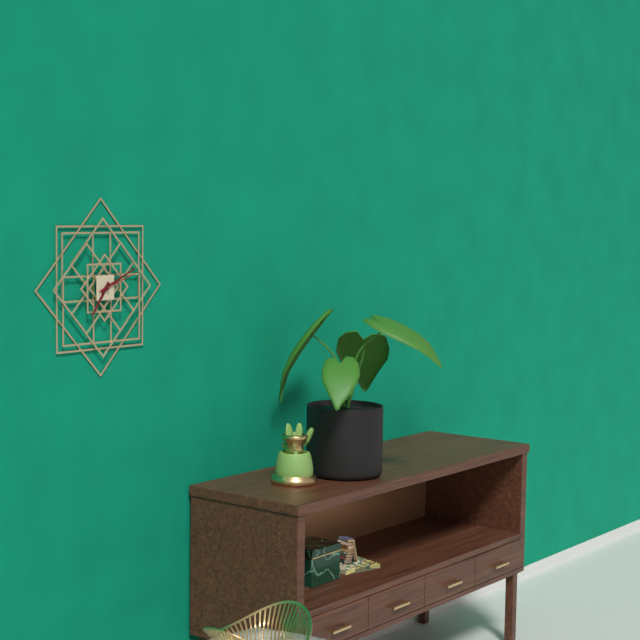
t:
7:11
